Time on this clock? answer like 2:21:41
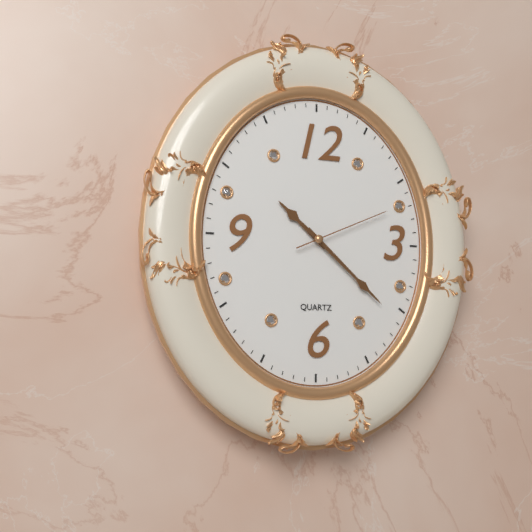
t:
10:22:11
